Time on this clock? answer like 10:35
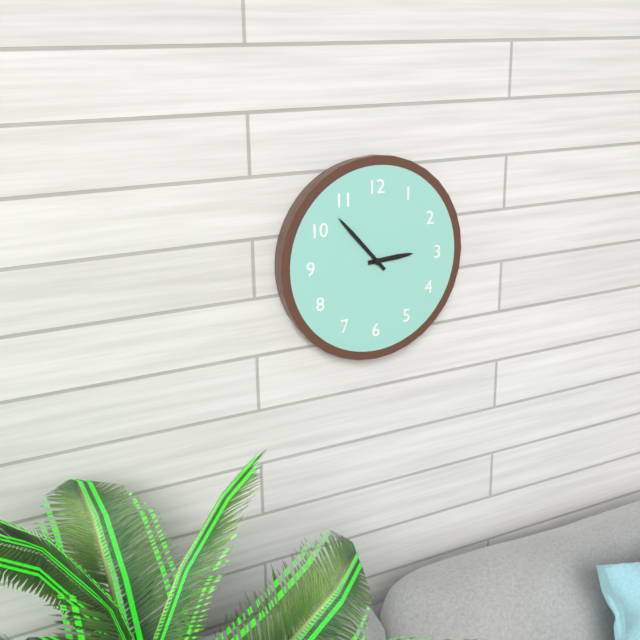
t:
2:53
